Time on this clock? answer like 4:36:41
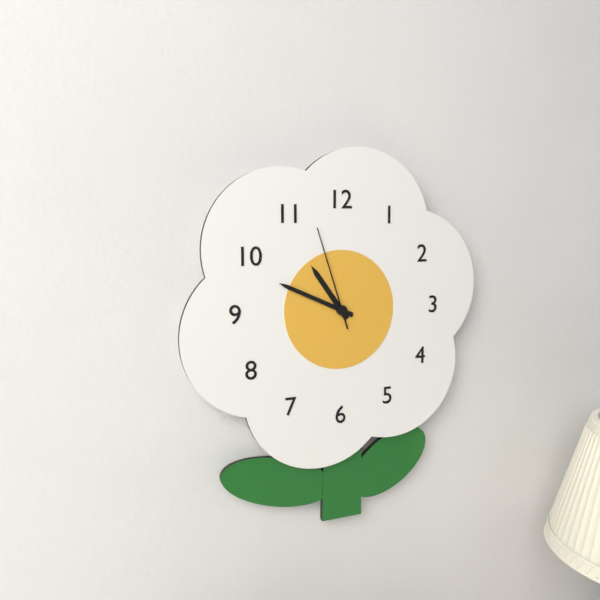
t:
10:49:57
